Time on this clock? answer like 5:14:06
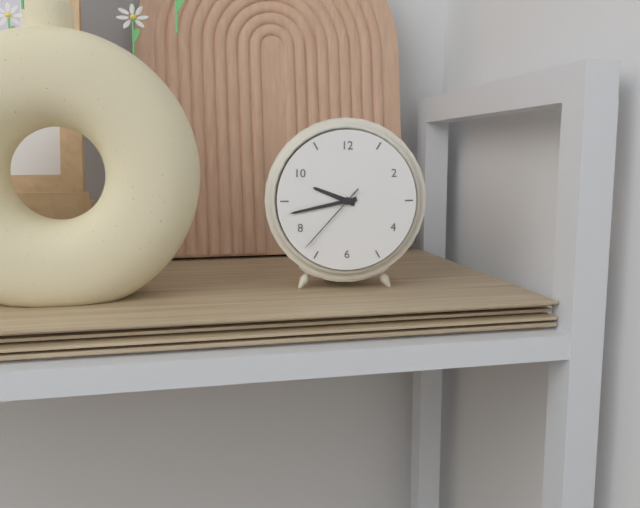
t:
9:43:37
